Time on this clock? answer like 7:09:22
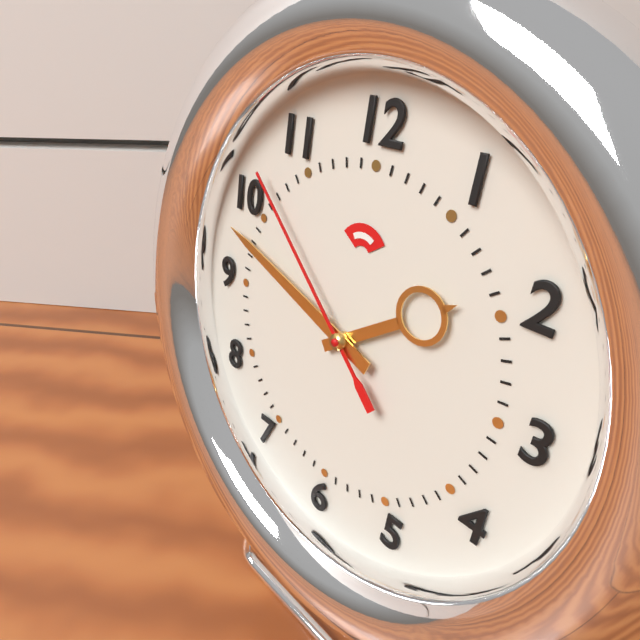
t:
1:48:52
